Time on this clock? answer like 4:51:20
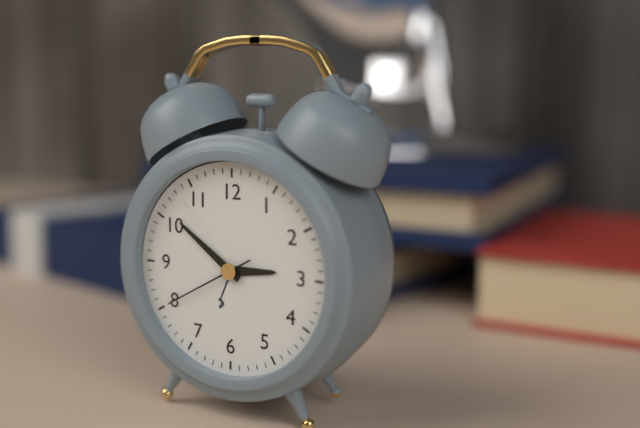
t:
2:51:40
